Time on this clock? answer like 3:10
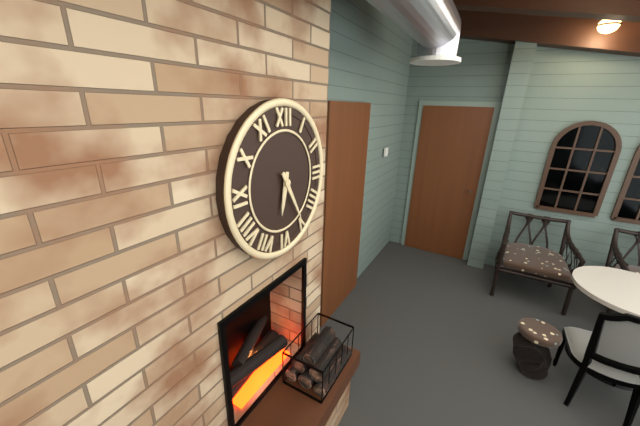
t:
6:25
